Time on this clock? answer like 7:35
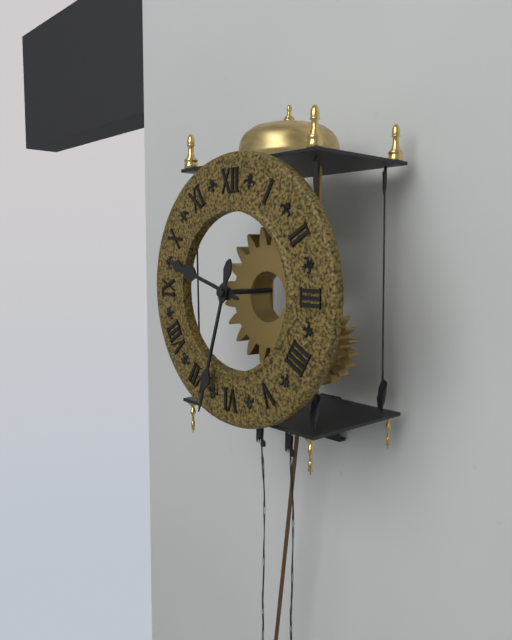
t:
9:33
